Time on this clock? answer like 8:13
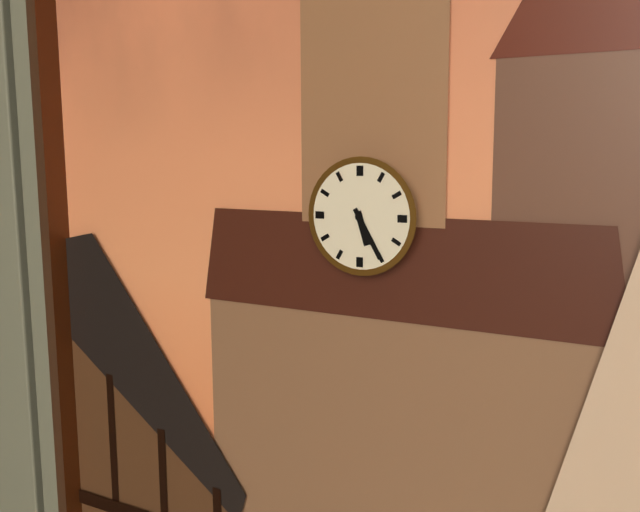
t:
5:25
